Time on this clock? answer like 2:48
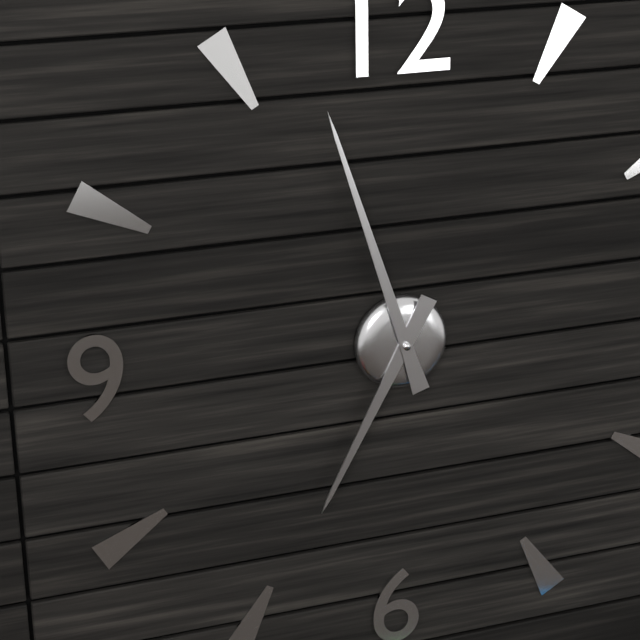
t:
6:57
